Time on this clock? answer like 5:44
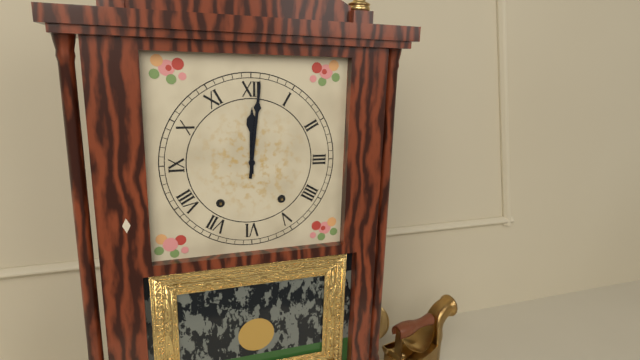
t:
12:01
